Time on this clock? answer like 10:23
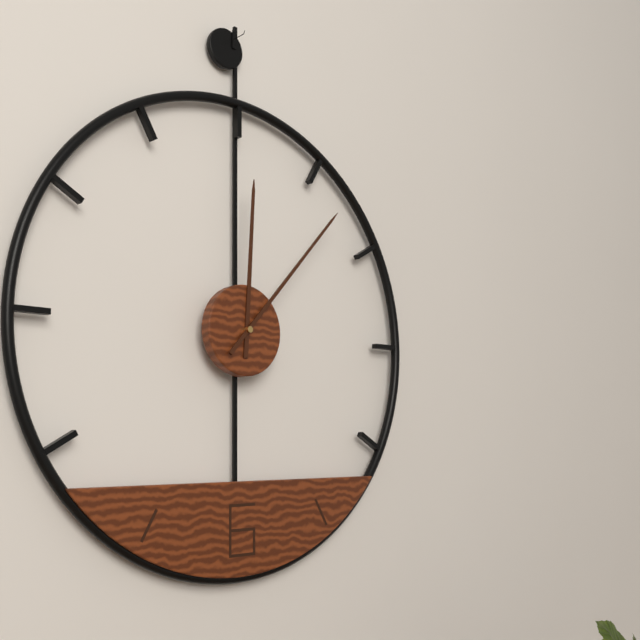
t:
12:07
